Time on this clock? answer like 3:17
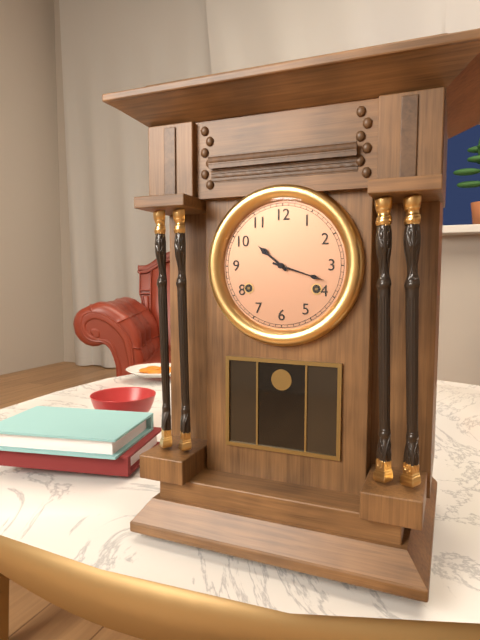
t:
10:18
